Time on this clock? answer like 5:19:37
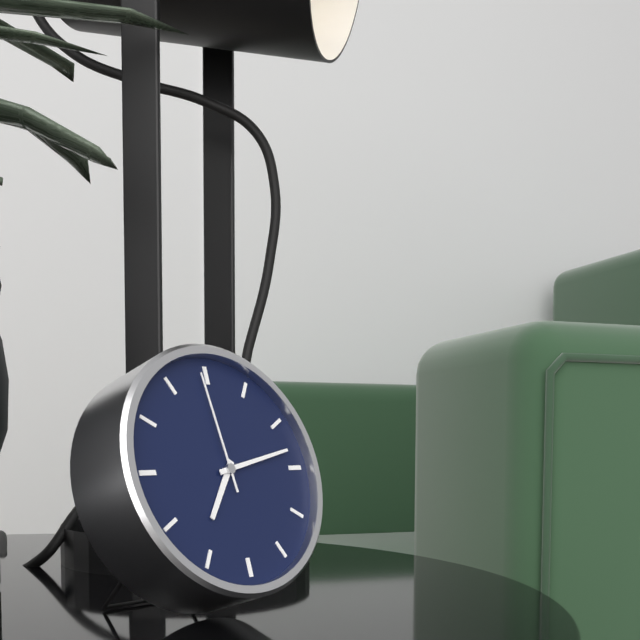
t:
7:13:59
